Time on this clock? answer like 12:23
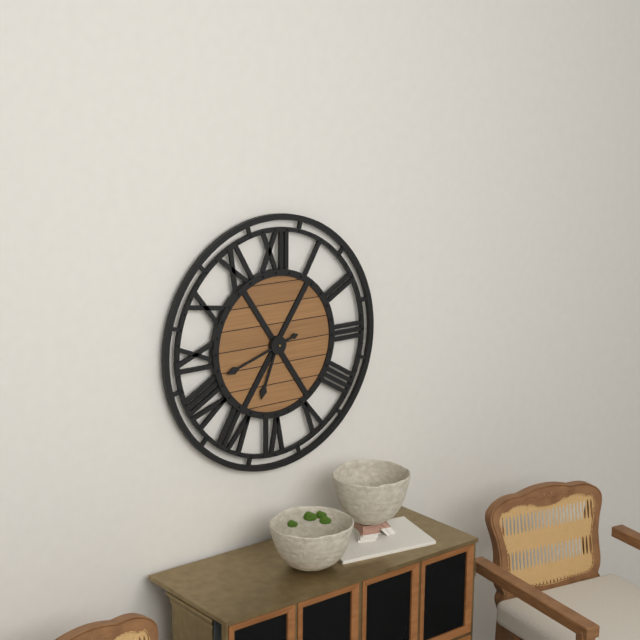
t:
6:42
